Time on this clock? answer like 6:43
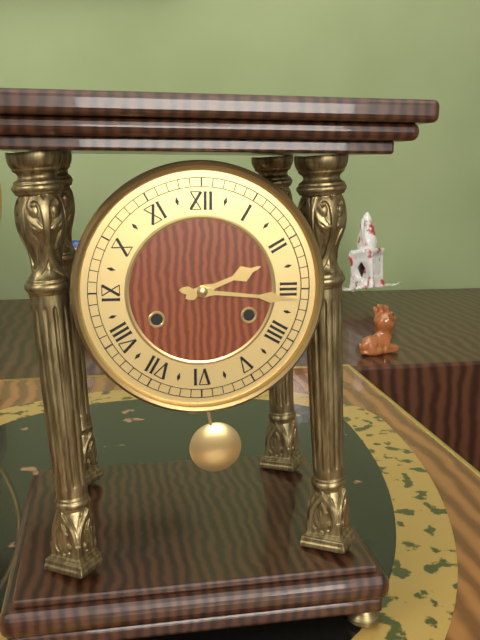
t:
2:16
